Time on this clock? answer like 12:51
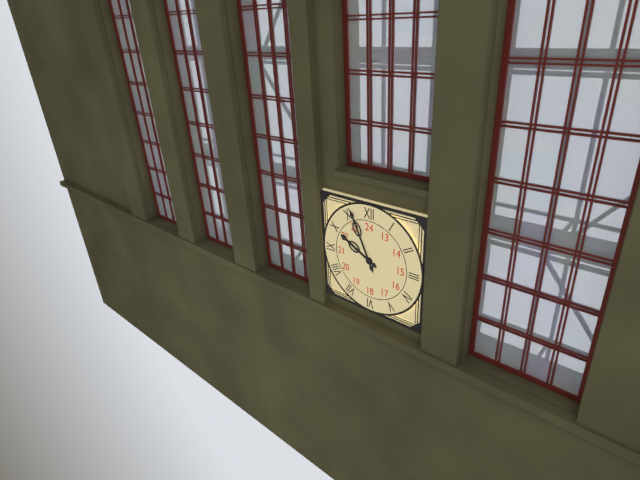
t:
9:56
